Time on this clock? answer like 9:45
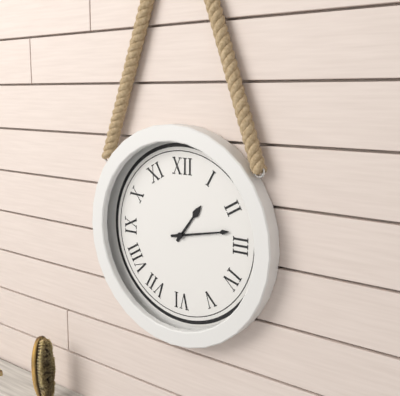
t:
1:13
